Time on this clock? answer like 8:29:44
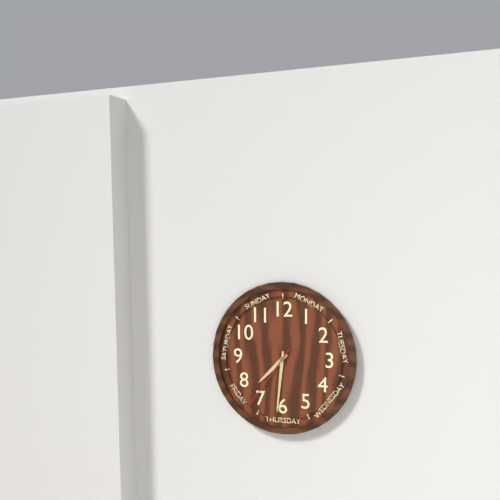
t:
7:31:36
